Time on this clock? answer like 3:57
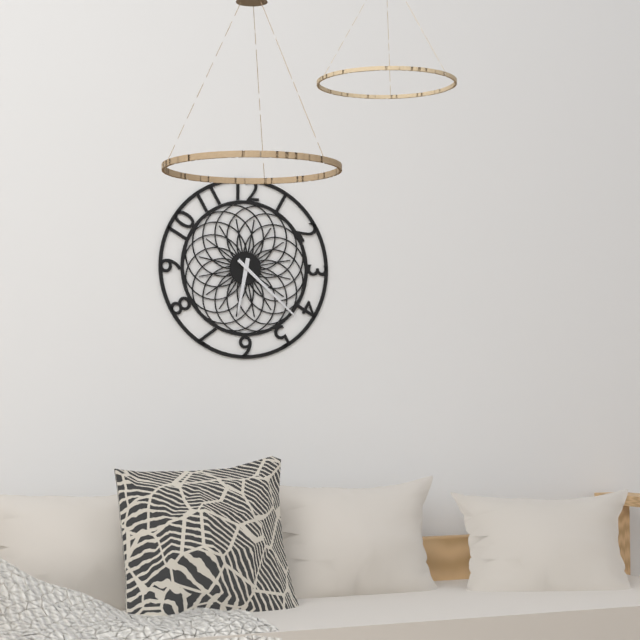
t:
6:22
